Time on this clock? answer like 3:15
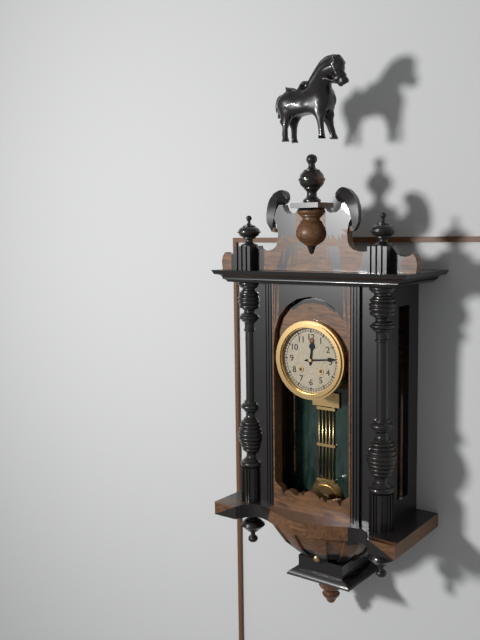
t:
12:14
